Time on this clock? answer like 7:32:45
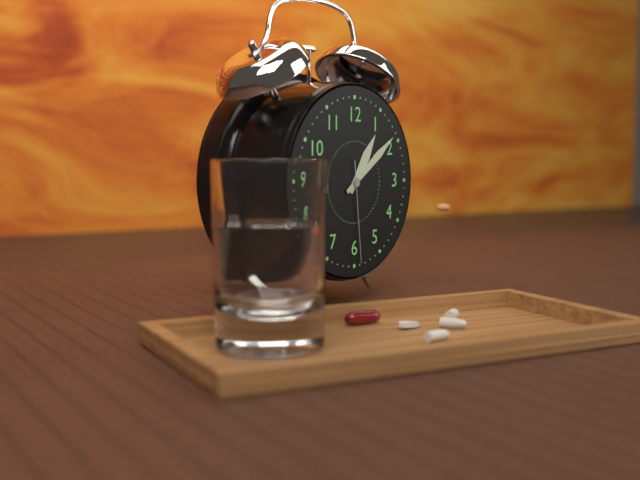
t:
1:09:29
